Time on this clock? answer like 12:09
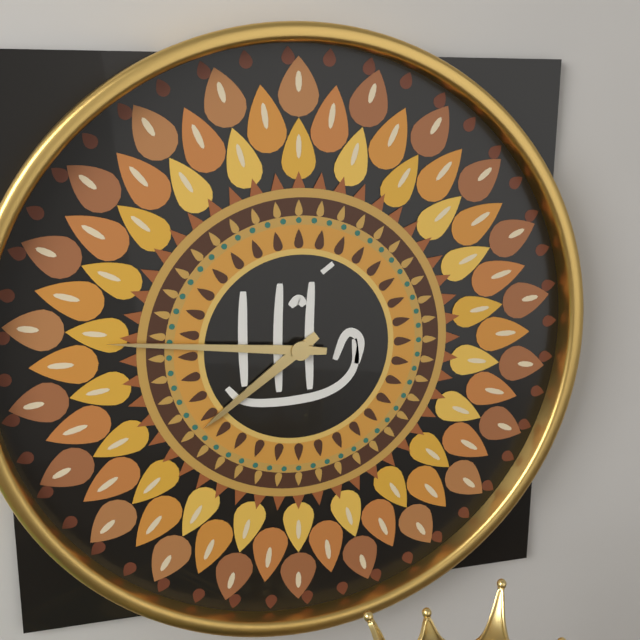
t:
7:46
